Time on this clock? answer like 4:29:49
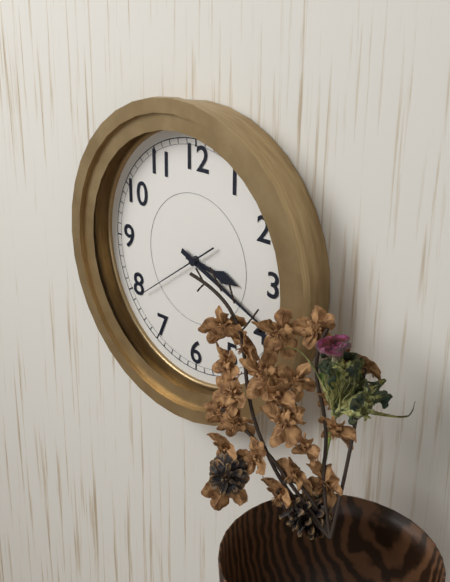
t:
3:19:39
